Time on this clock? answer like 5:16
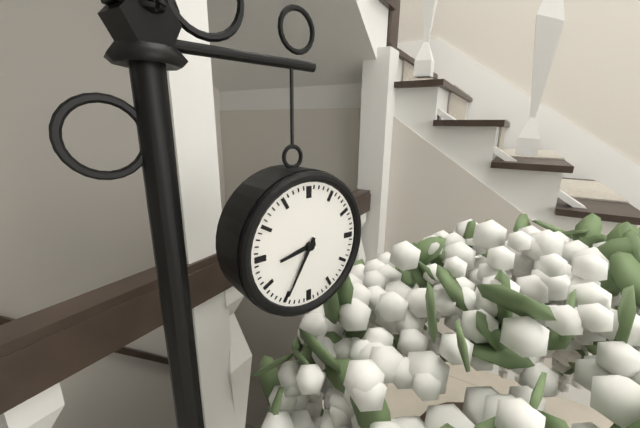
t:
8:35
